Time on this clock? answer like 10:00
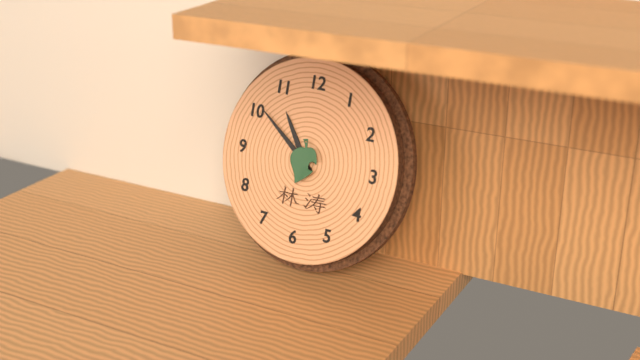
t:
10:51
